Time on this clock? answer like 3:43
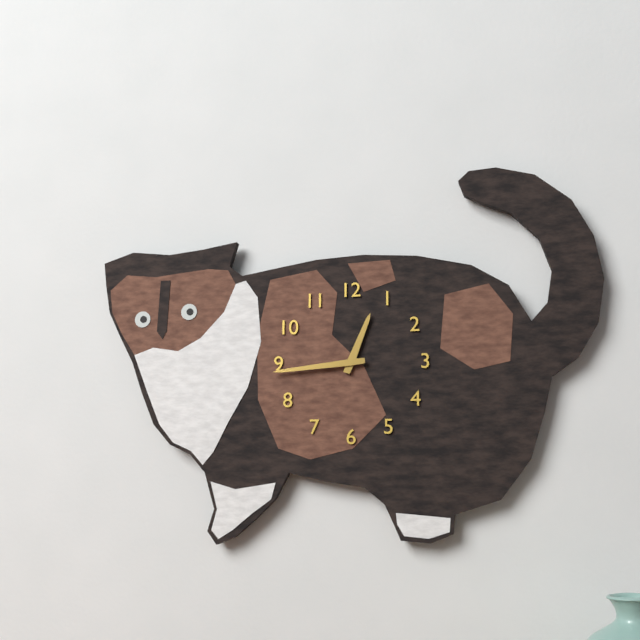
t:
12:44
